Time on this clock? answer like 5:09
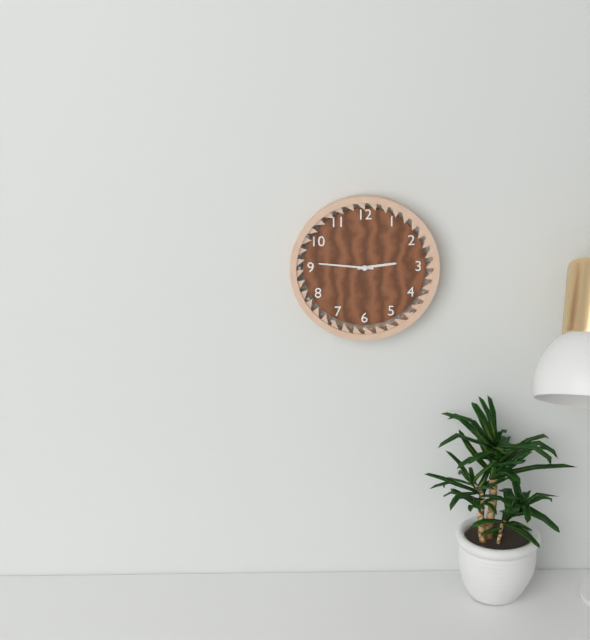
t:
2:46
